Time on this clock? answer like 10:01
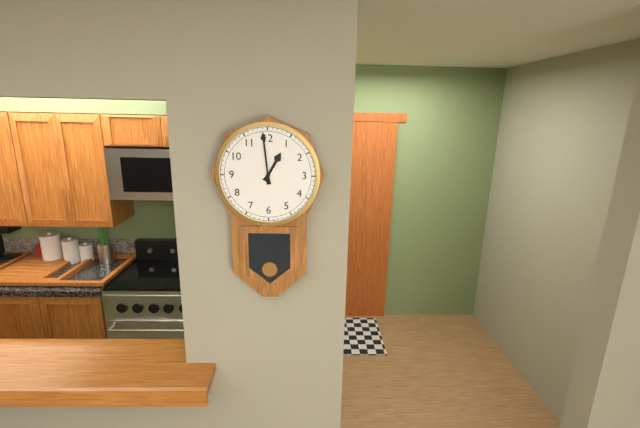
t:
12:59
